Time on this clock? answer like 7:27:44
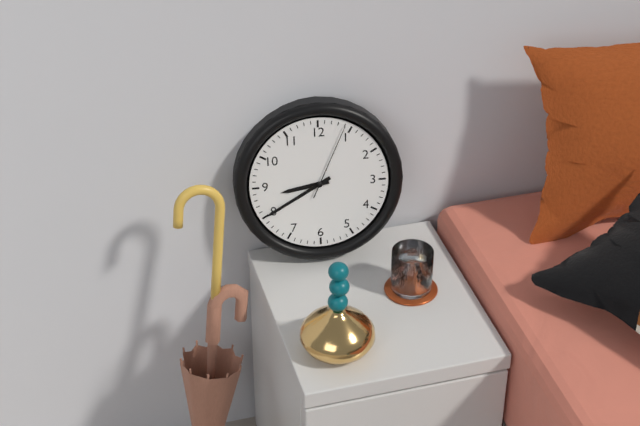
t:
8:40:04
